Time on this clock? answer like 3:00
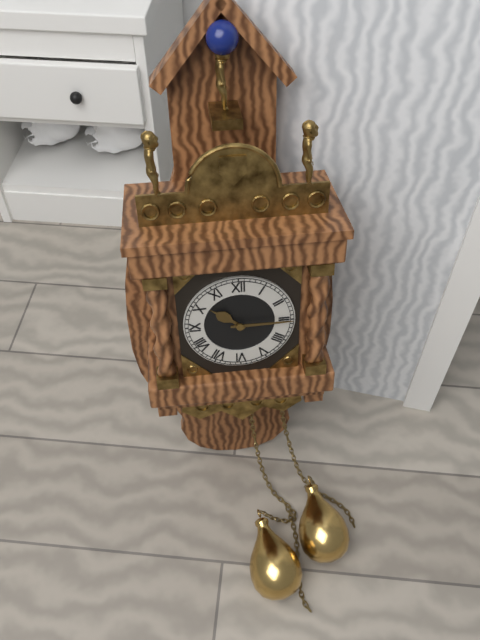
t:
10:15
